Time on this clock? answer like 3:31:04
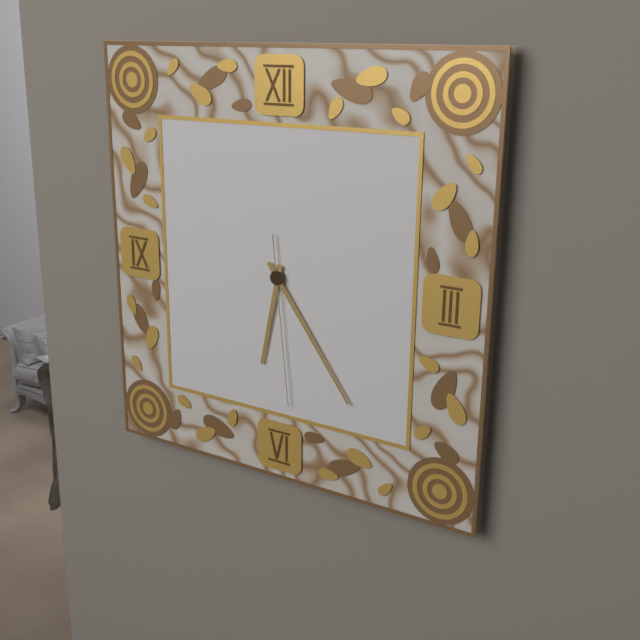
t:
6:24:29
